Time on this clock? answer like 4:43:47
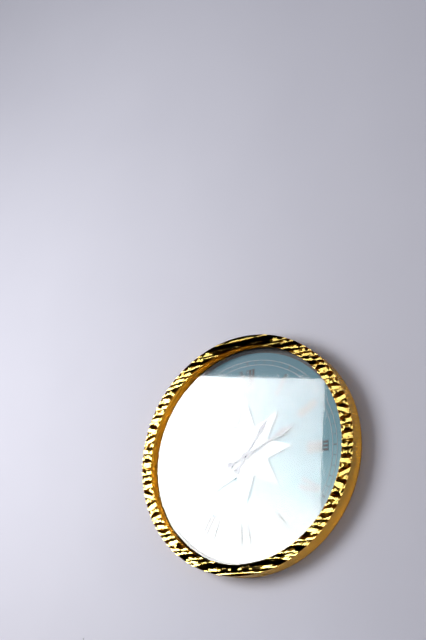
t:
1:11:43
